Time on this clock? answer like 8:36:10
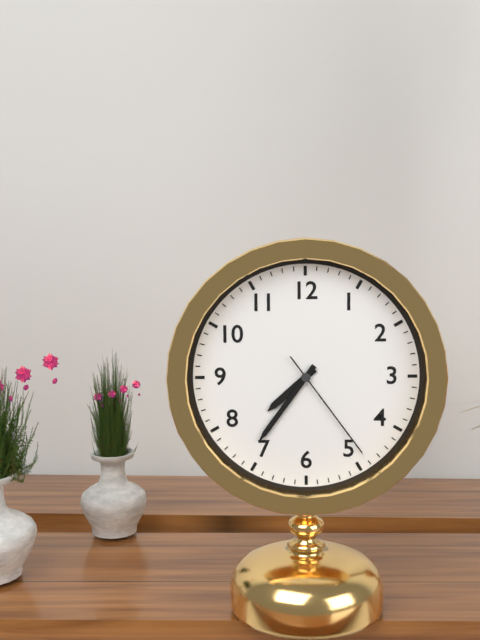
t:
7:36:24
